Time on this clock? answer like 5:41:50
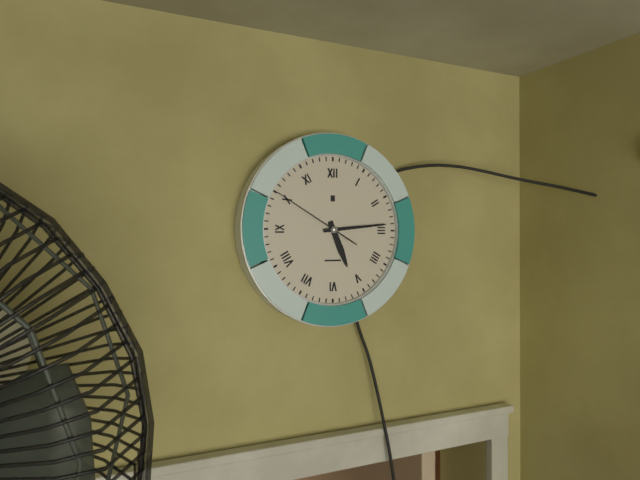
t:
5:14:50
